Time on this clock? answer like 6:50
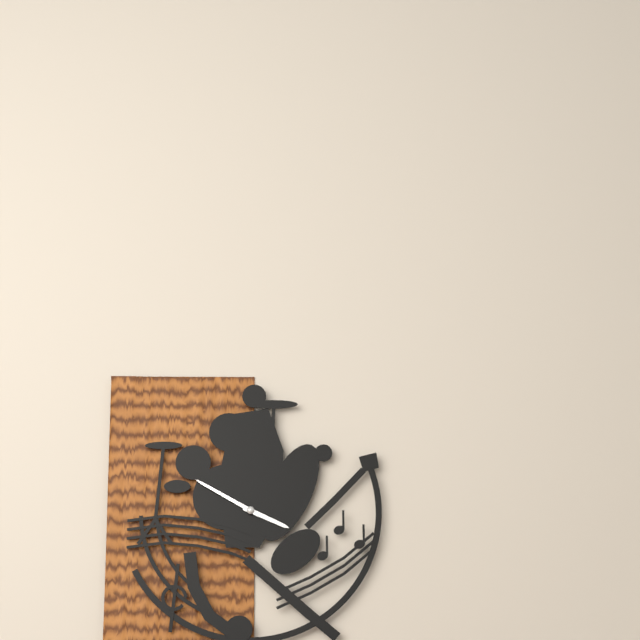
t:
3:50
